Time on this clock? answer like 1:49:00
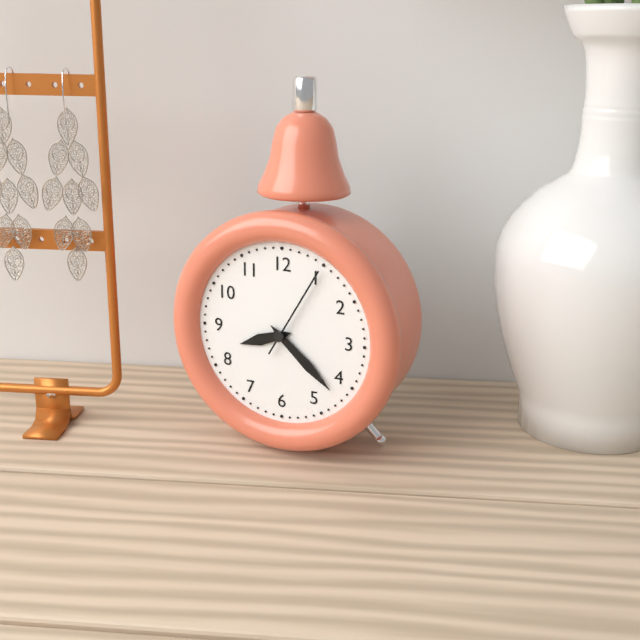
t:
8:22:05
